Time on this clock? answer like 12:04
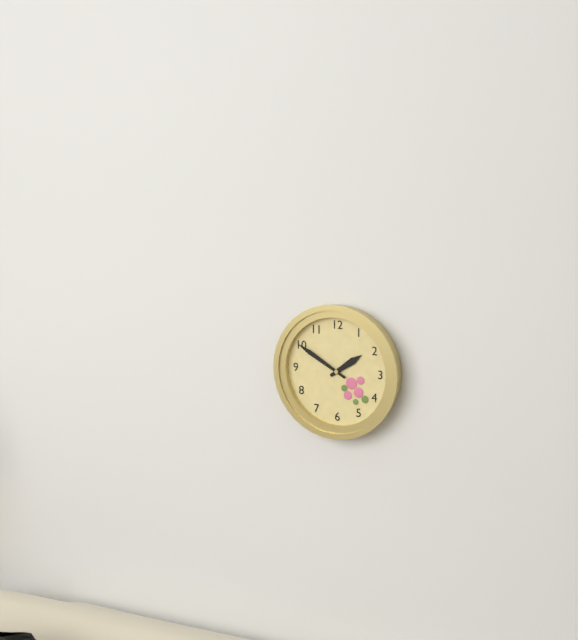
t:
1:50
